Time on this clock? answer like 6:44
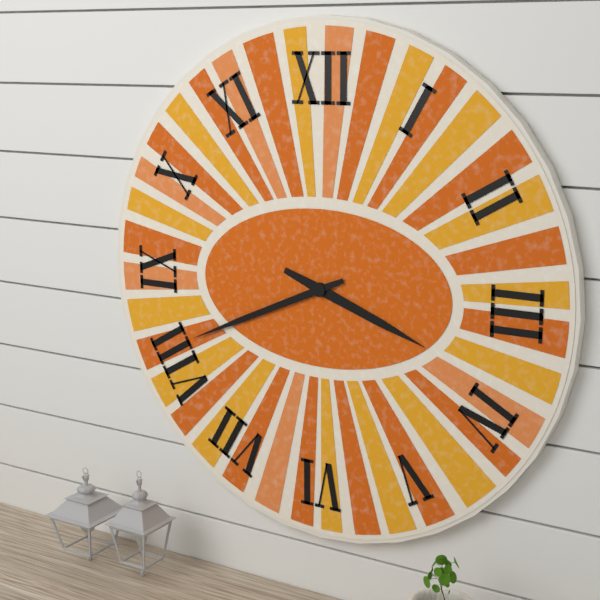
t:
3:41
